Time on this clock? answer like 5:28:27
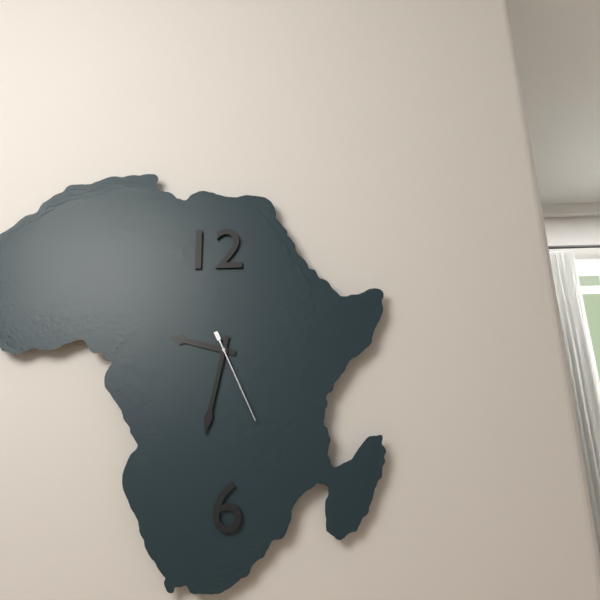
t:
9:32:26
